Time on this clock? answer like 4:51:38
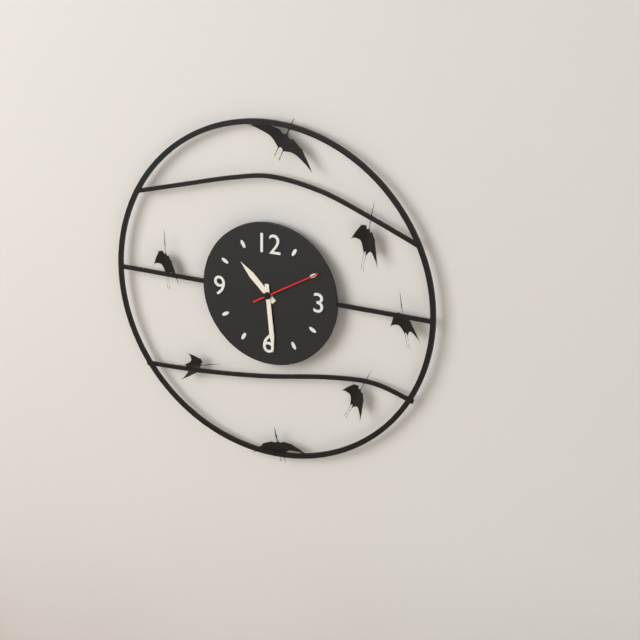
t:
10:29:10
